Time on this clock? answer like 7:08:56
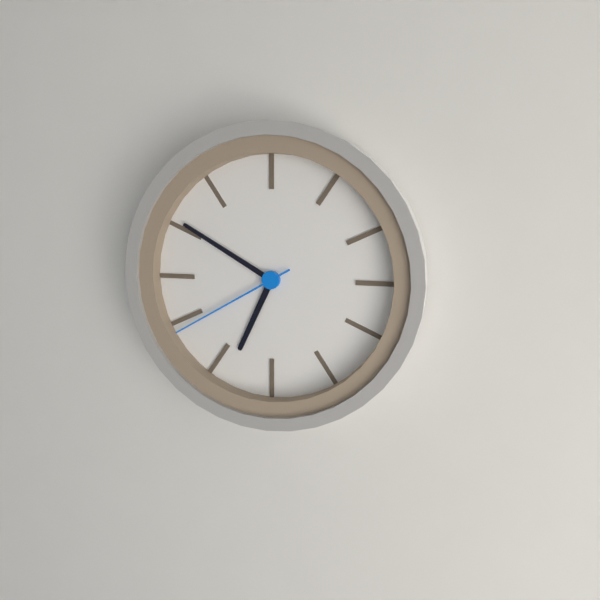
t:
6:50:40
